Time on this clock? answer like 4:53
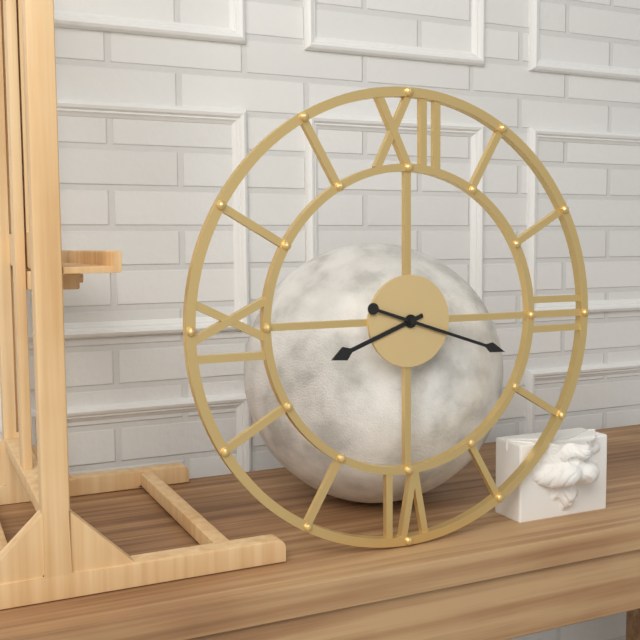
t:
8:18
